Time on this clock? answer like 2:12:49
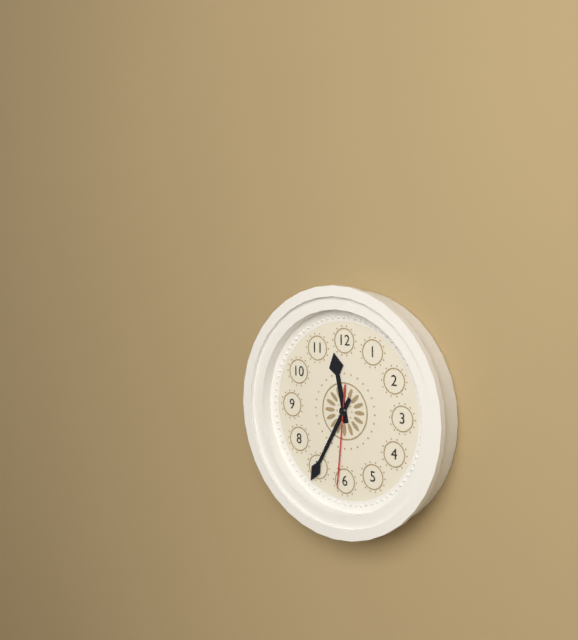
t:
11:35:31
